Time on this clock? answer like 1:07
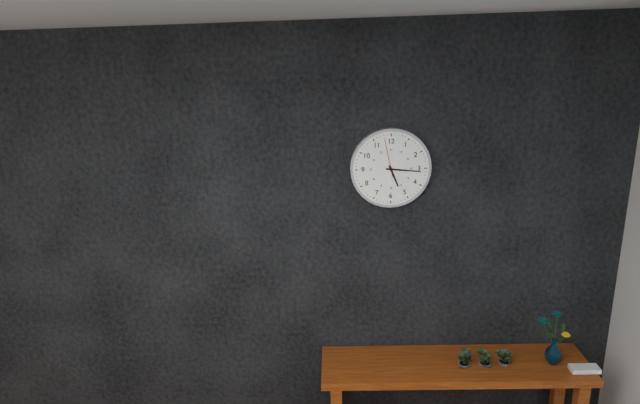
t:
5:16
